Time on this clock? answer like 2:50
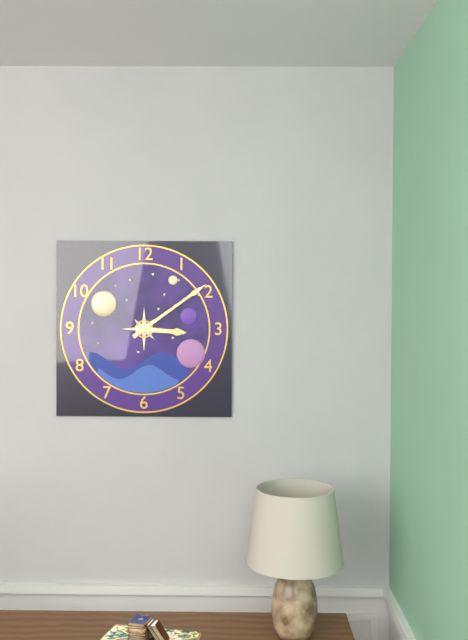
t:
3:09
